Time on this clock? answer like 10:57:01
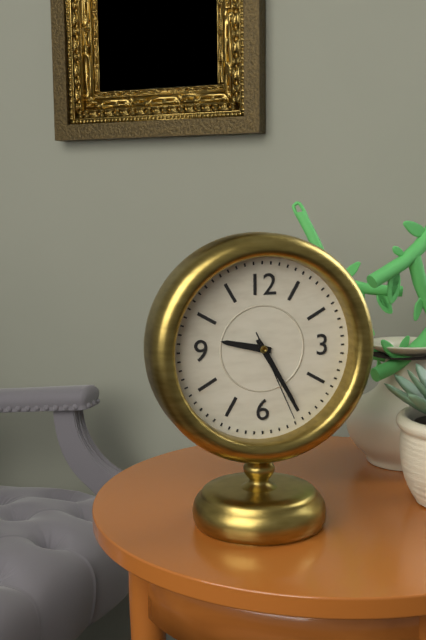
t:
9:25:26
